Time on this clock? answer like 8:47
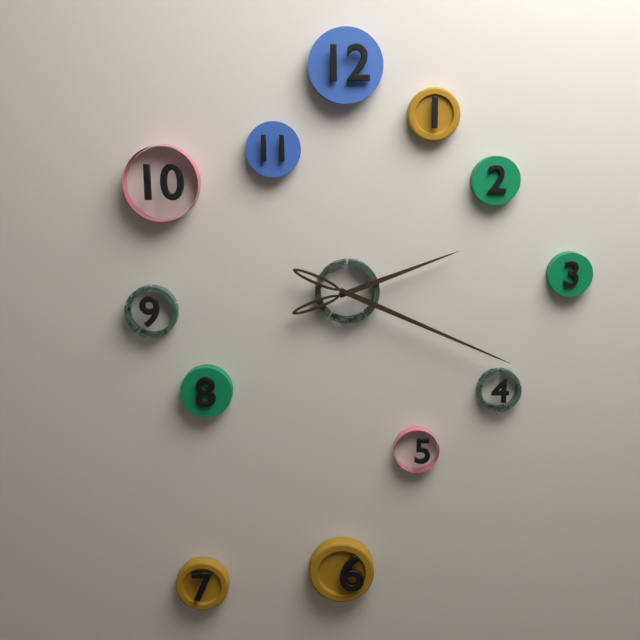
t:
2:19
